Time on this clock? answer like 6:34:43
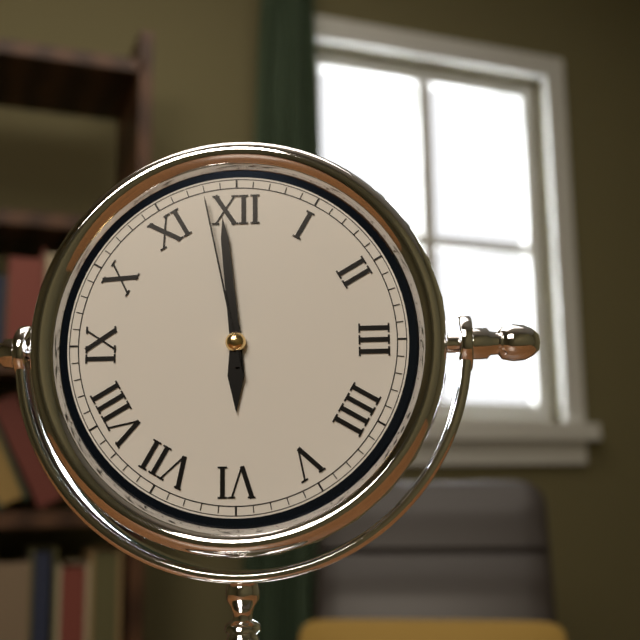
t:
5:59:58
